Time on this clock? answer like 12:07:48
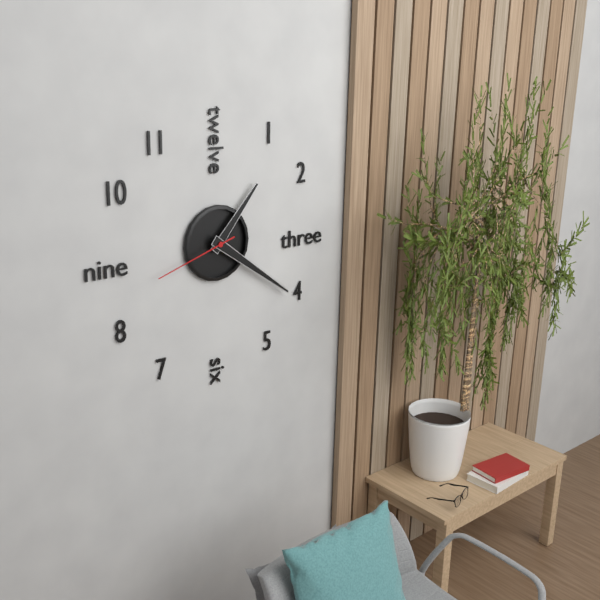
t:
1:21:42
